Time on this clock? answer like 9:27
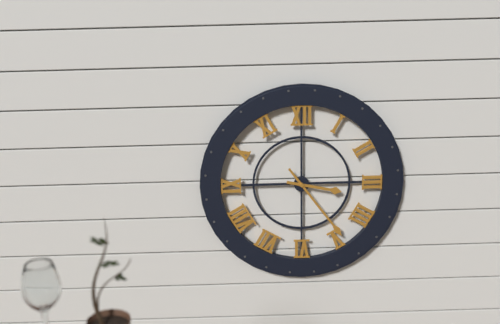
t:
3:24
